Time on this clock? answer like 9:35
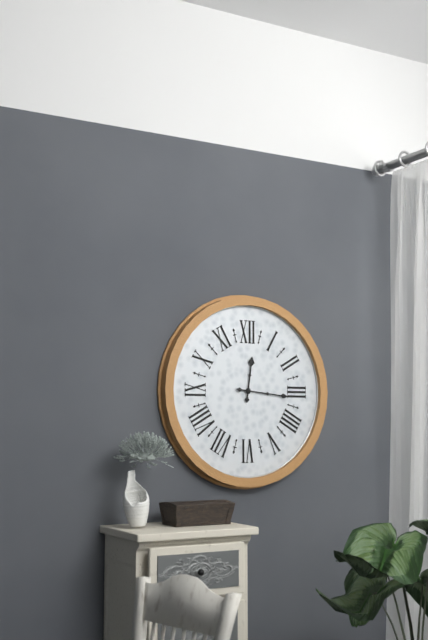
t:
12:16
